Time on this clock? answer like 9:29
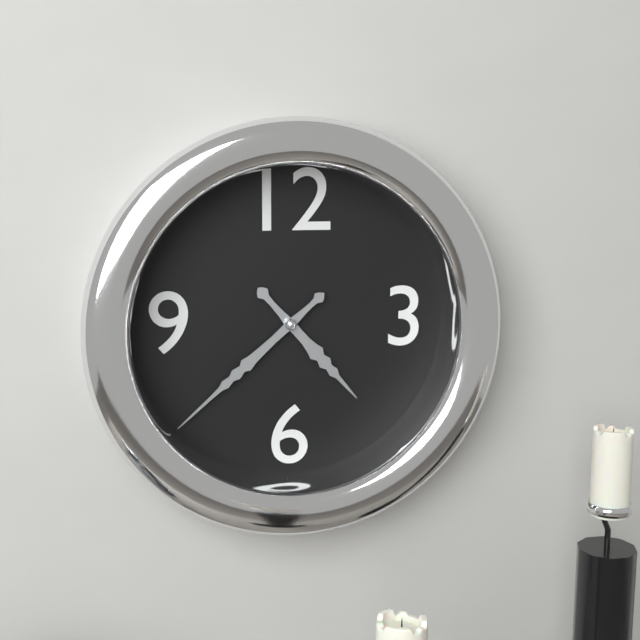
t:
4:38
